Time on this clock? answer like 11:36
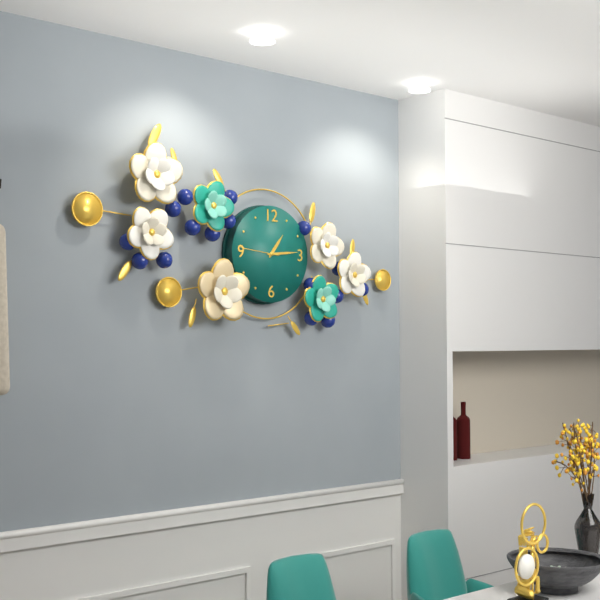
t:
1:14
